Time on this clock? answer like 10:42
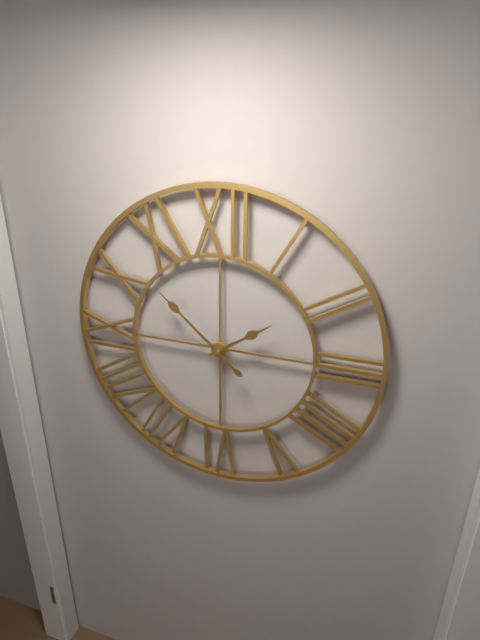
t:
1:52
